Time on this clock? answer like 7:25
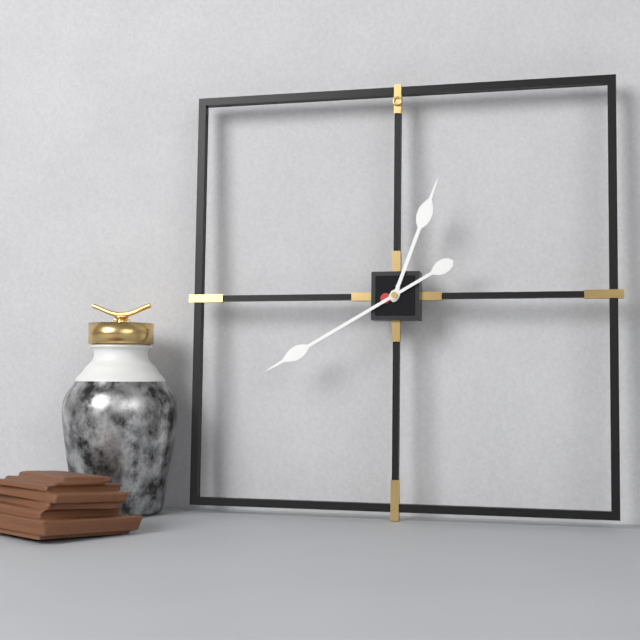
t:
12:40
